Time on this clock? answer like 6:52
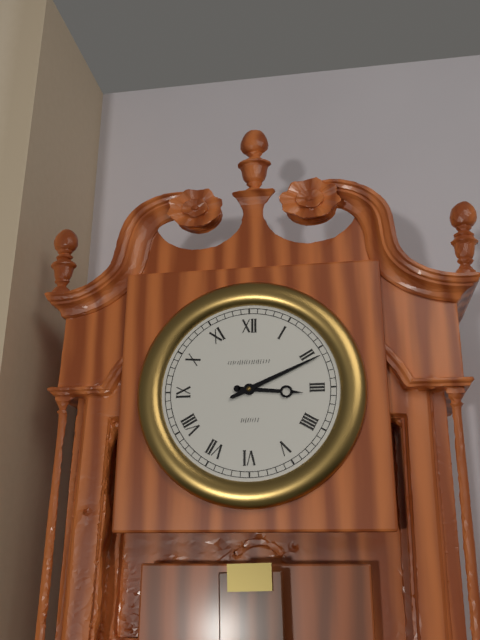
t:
3:11
